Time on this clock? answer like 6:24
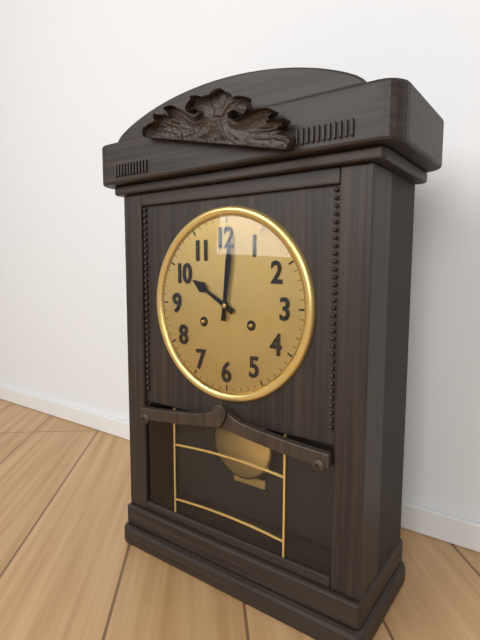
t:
10:01
